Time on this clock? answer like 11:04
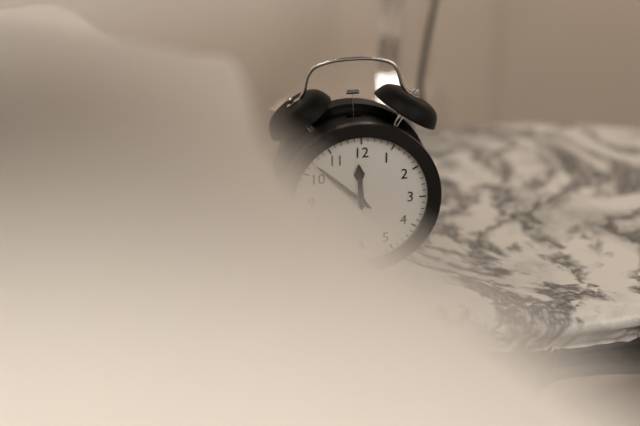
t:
11:52
